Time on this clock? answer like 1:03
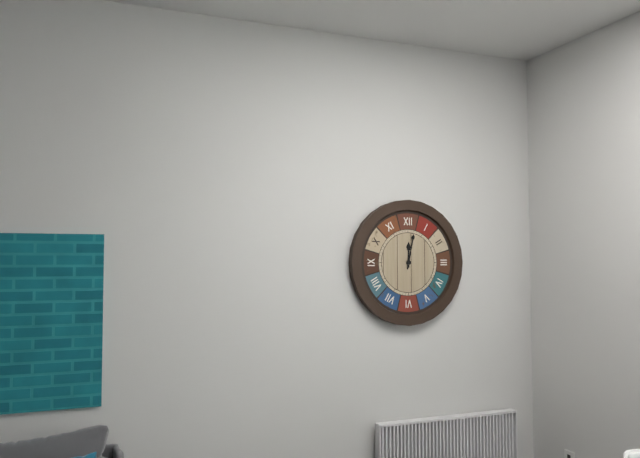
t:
12:02
